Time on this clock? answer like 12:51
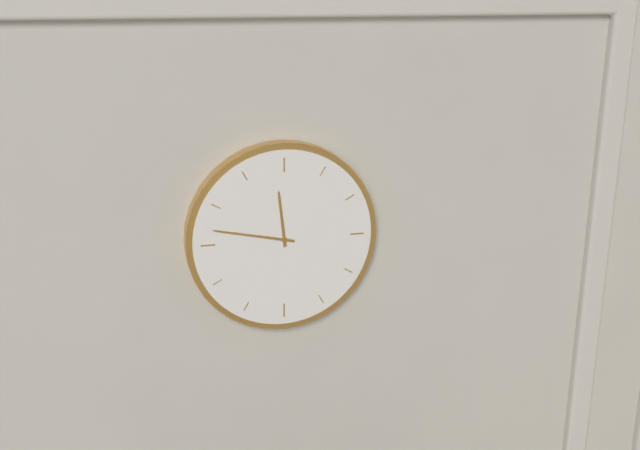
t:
11:47
